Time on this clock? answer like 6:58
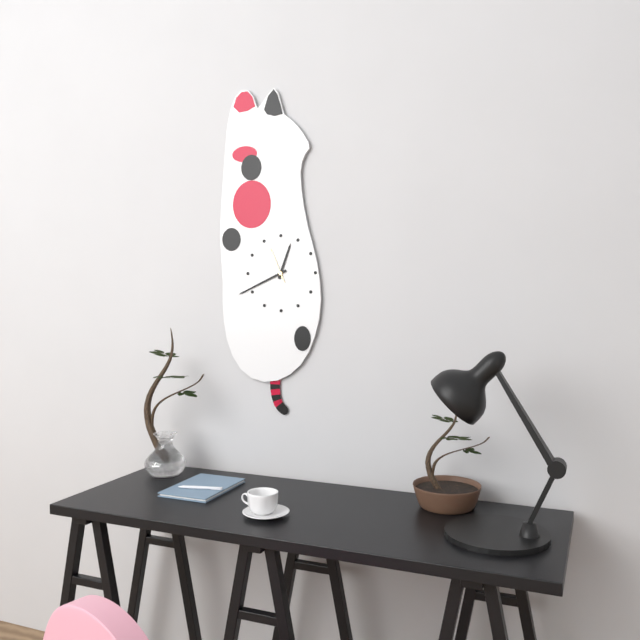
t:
12:41
